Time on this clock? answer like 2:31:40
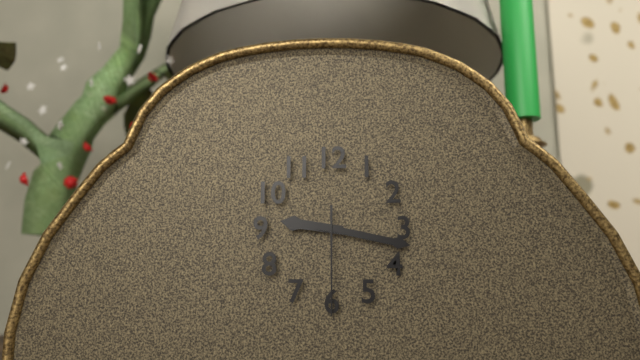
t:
9:17:30
